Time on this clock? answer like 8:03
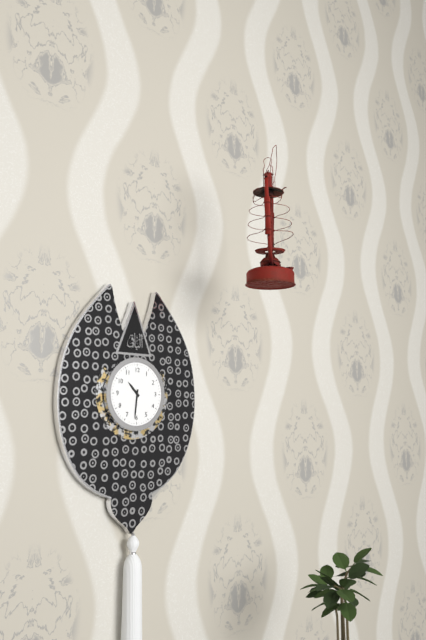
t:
10:31
